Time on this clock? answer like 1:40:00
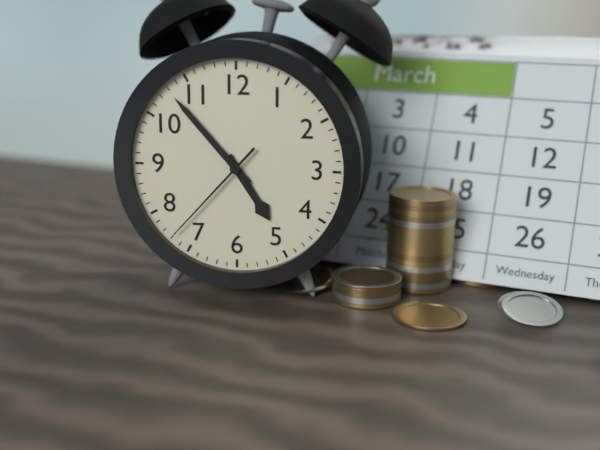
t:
4:53:37
